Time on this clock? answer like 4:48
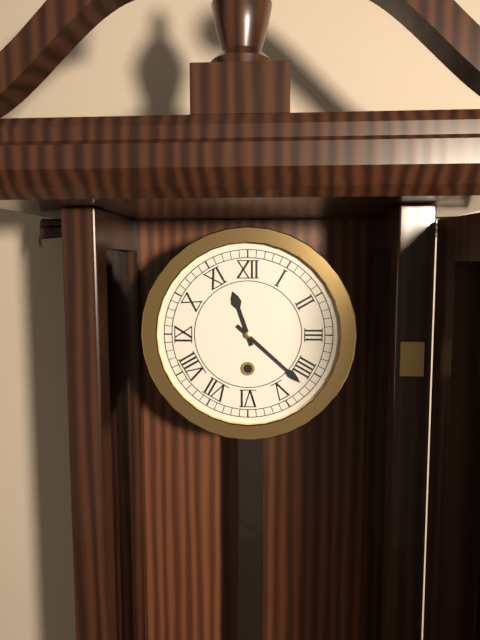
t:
11:22
